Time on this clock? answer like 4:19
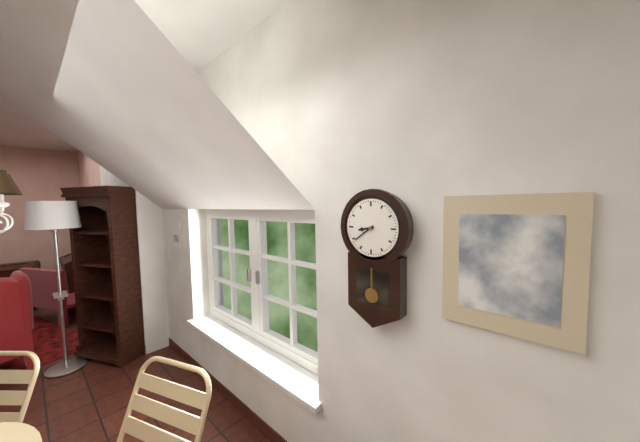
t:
8:39
